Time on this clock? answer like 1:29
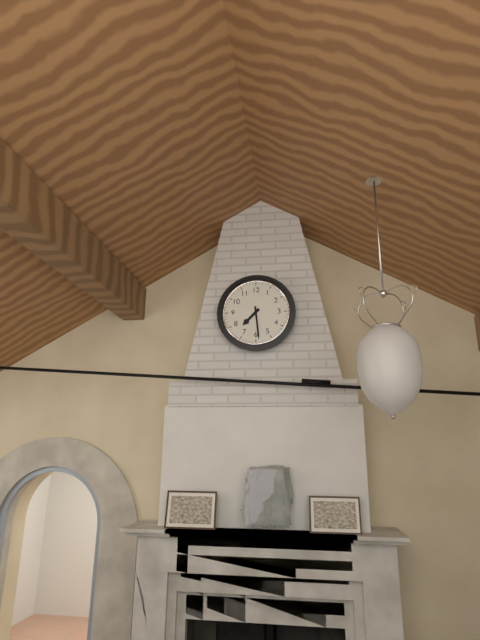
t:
7:29
